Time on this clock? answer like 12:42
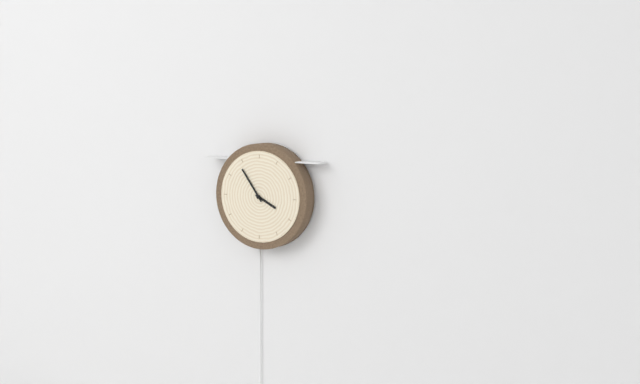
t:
3:54
